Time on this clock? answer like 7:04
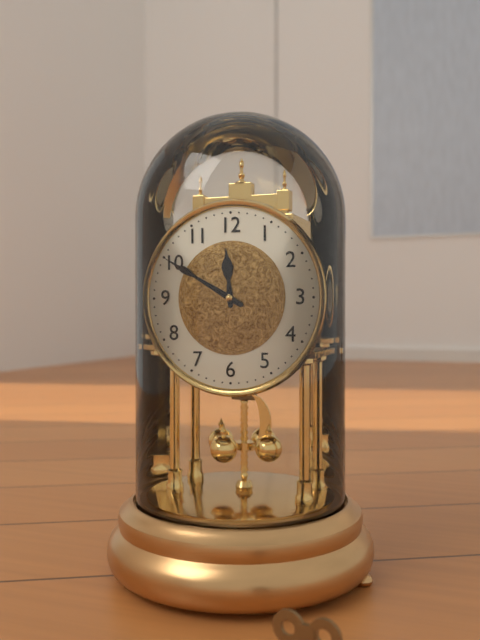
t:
11:50
